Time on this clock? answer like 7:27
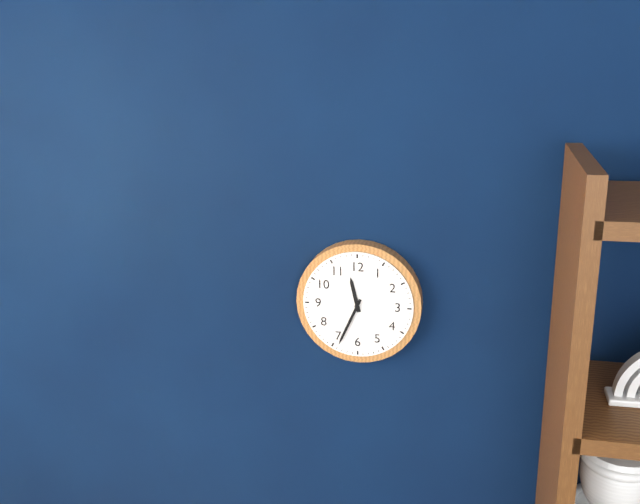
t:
11:34
